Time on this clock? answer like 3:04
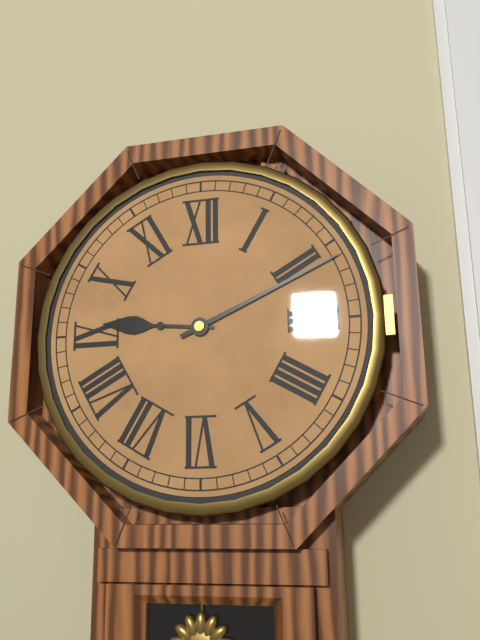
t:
9:11
